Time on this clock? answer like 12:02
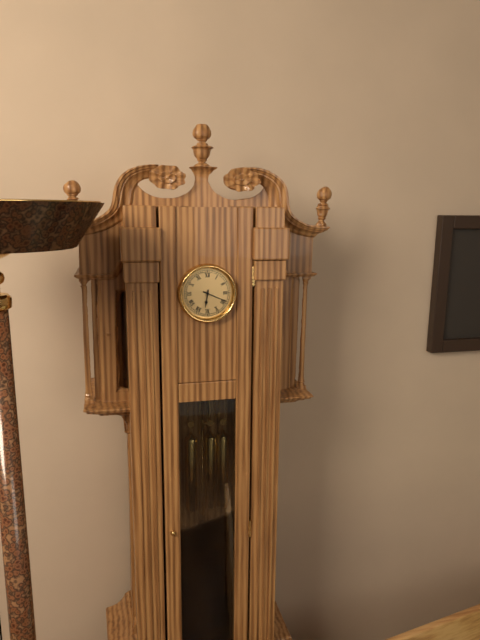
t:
6:19
